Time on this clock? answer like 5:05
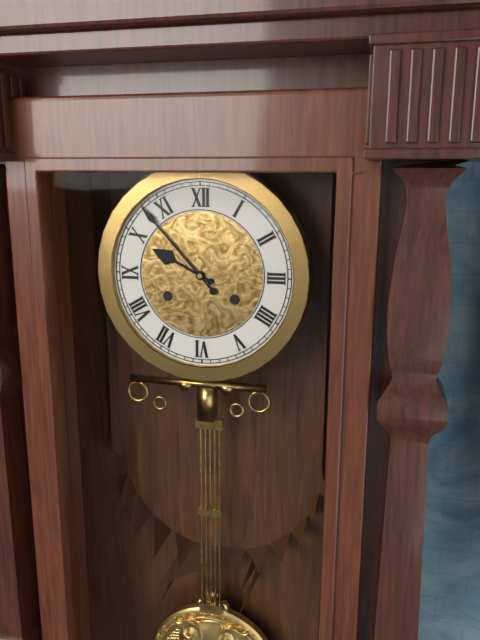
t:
9:53
